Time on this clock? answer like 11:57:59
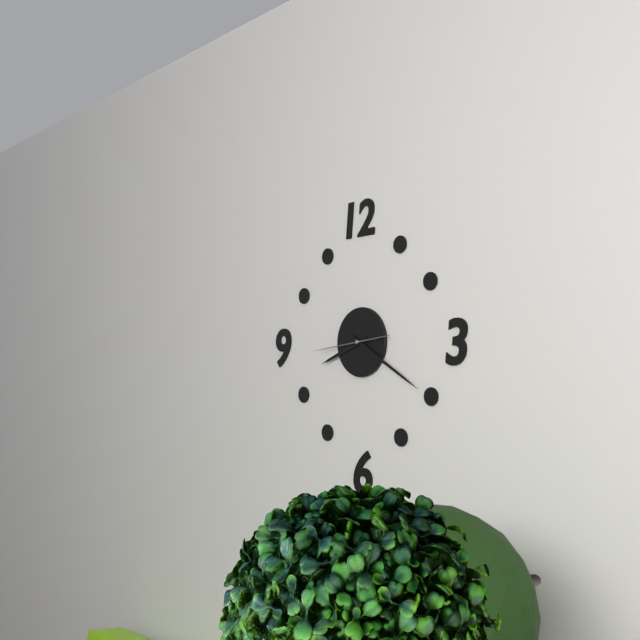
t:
8:20:44
